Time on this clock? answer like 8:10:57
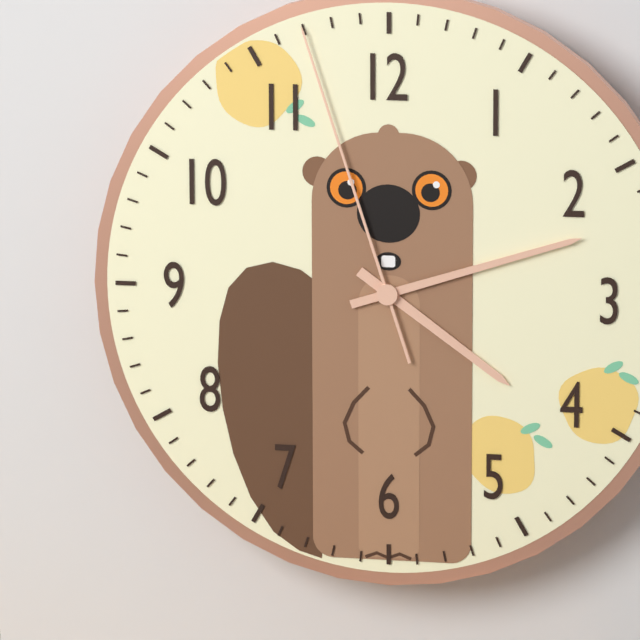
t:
4:12:57
